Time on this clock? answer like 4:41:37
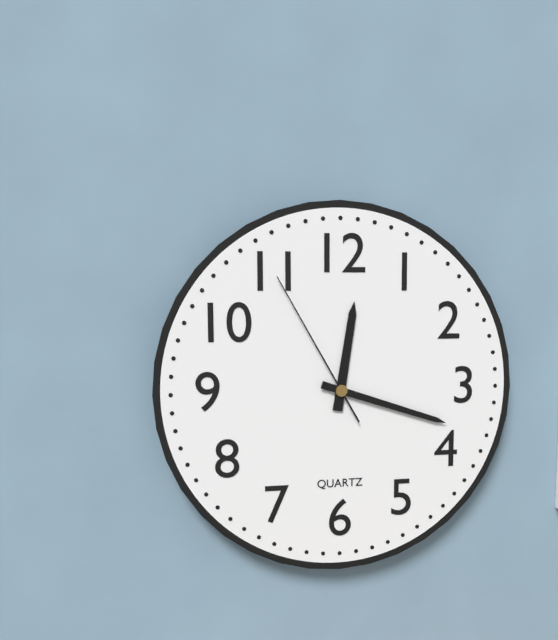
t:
12:18:55
